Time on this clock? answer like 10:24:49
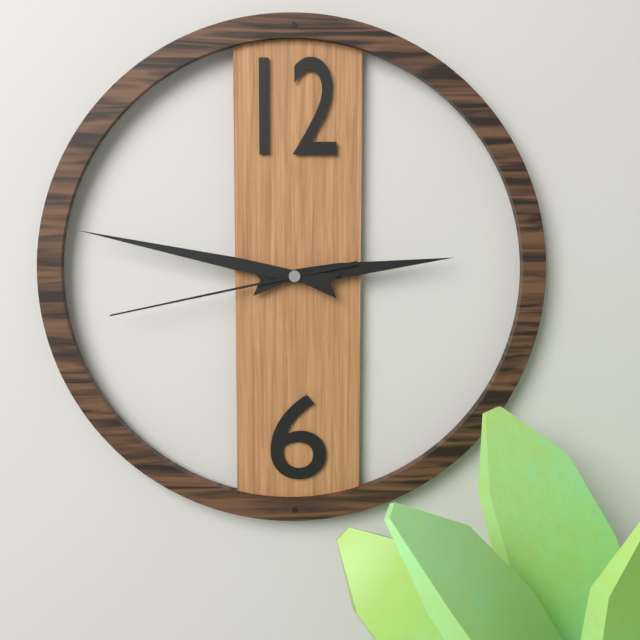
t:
2:47:43
